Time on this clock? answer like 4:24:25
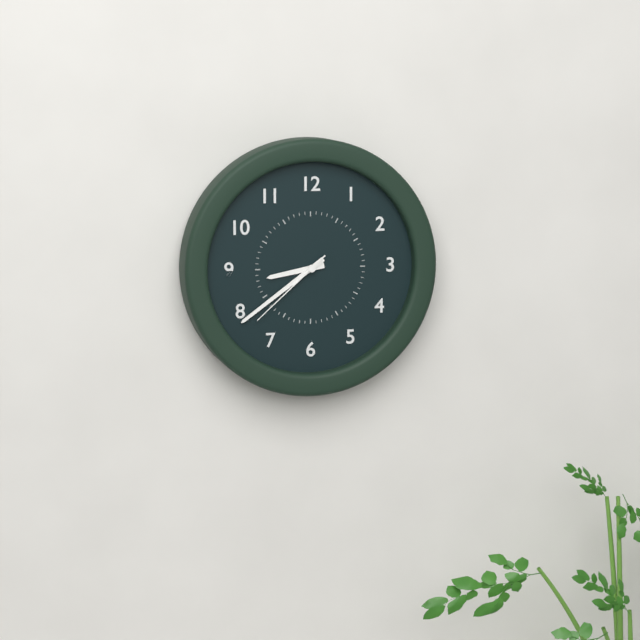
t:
8:39:38
